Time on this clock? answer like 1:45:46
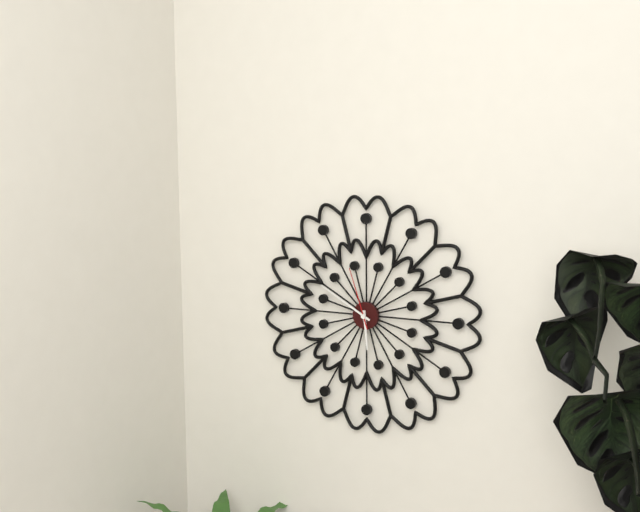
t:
5:50:57
